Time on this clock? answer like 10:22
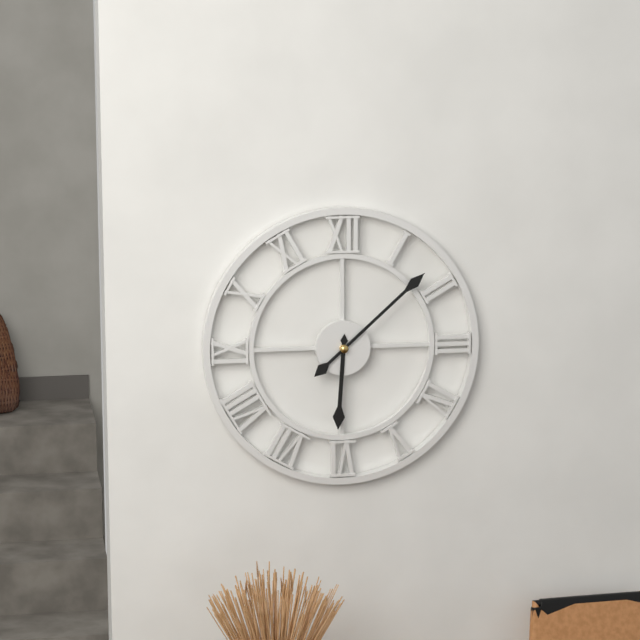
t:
6:08
